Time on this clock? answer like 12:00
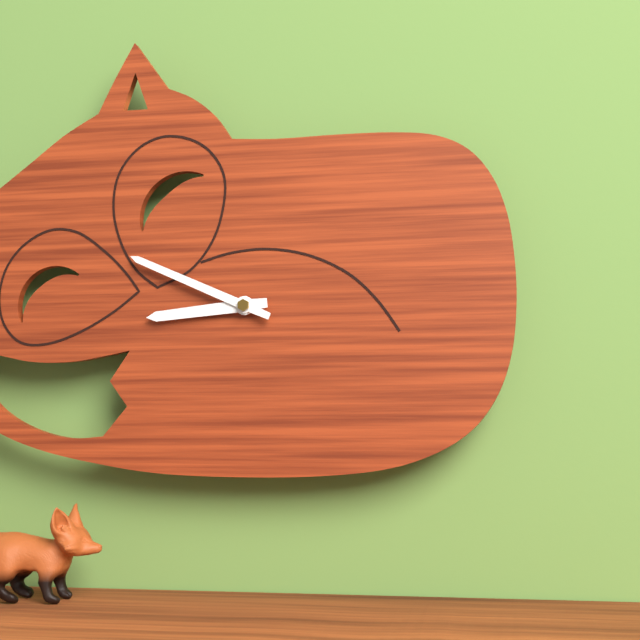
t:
8:49
